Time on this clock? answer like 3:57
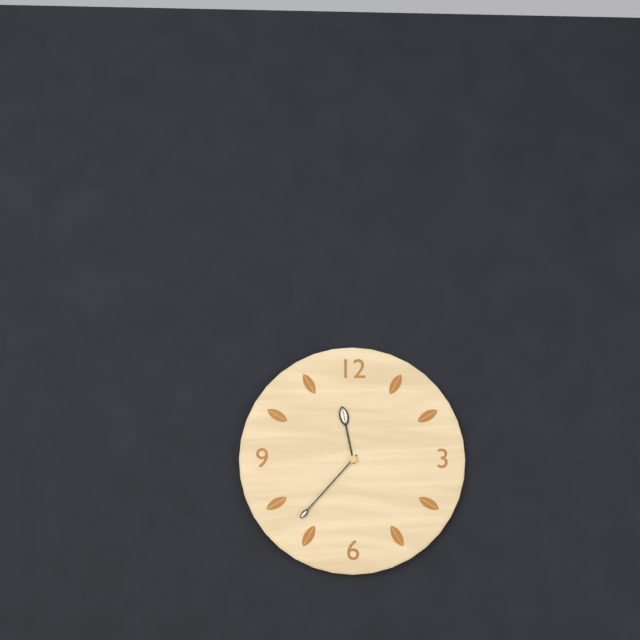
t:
11:37
